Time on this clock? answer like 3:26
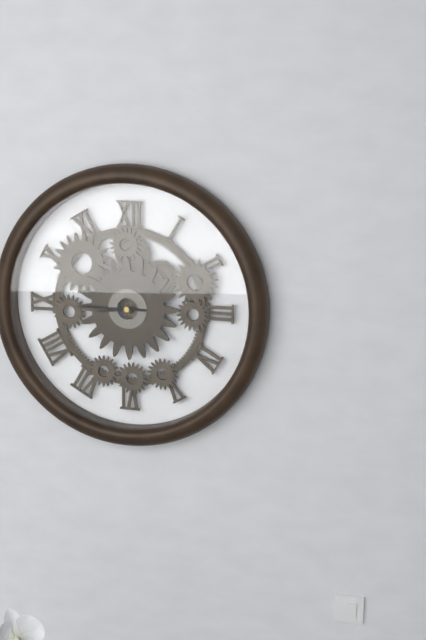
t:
8:45
